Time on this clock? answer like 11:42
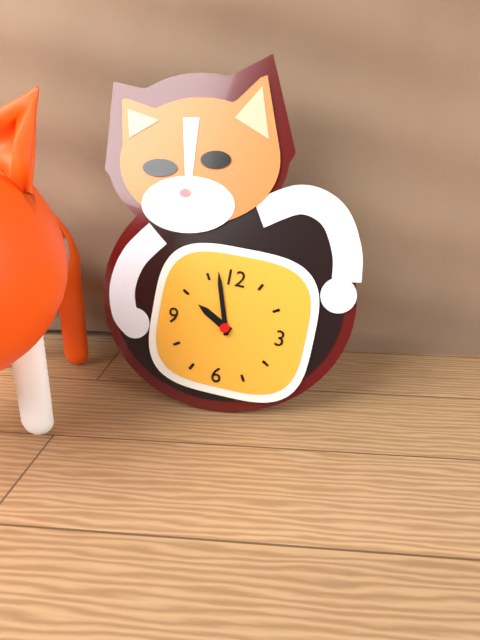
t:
9:57
